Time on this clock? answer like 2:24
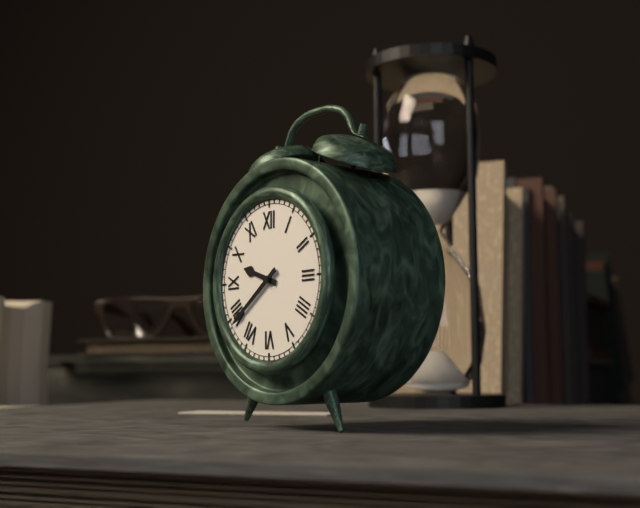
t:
9:39
